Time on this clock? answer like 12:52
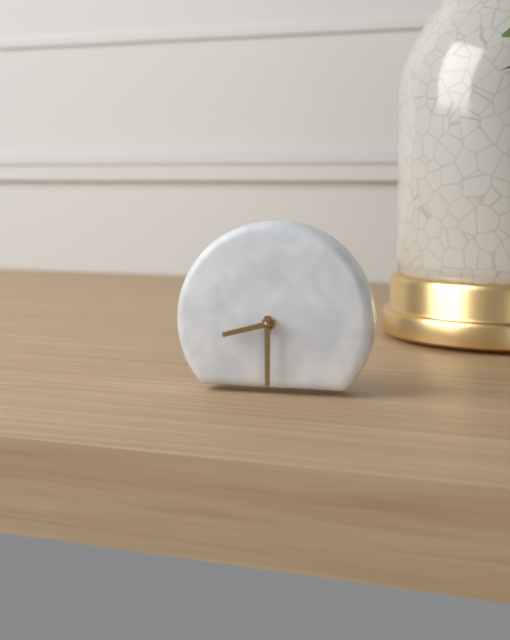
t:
8:30
